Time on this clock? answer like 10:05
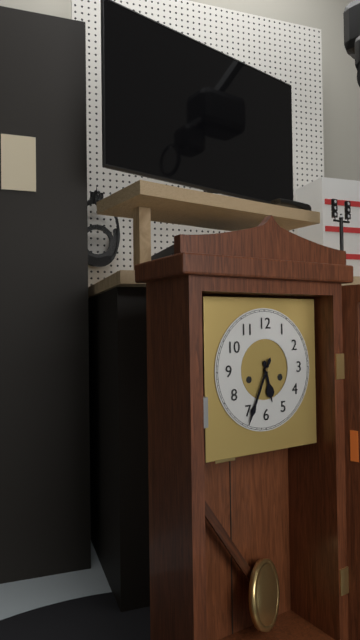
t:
5:34
